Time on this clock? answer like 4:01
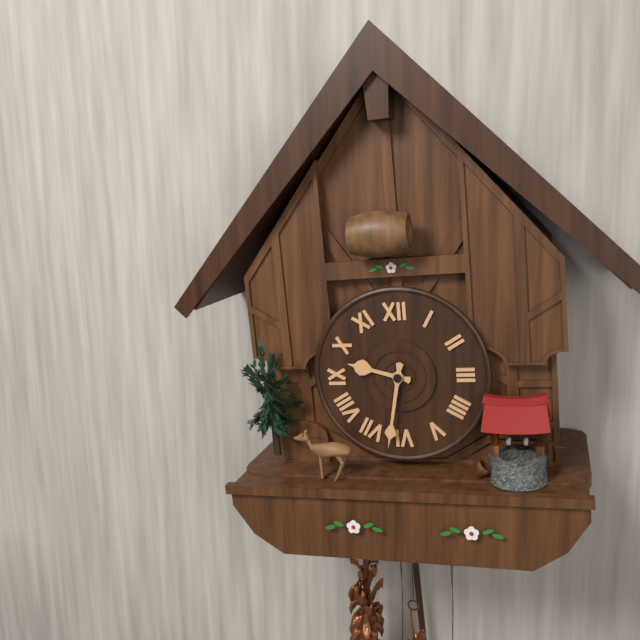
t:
9:32
